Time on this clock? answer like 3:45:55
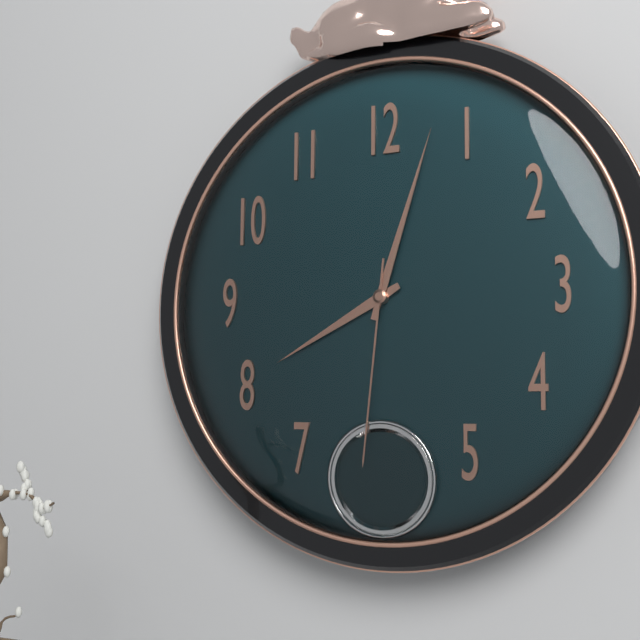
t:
8:03:31
